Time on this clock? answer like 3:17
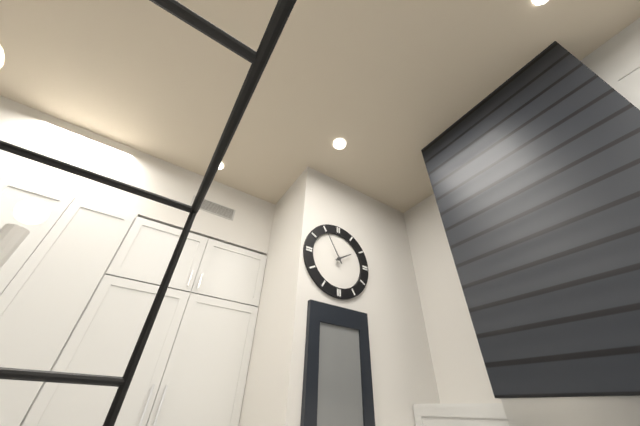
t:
1:55
